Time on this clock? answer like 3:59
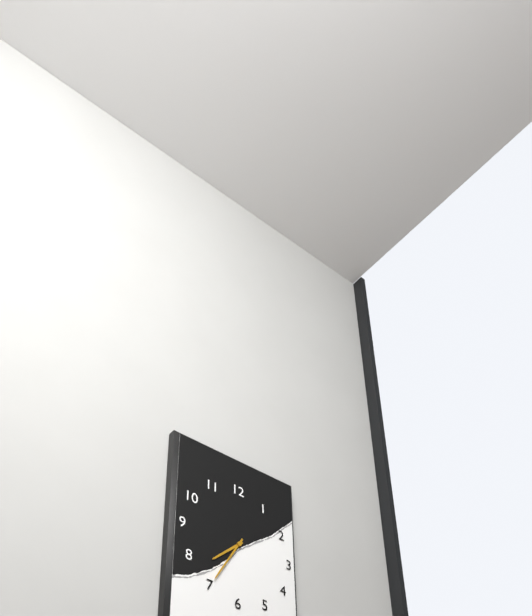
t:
7:35
